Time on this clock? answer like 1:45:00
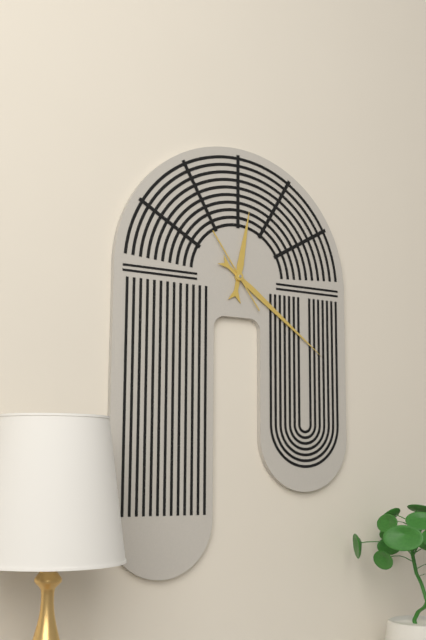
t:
12:21:54
